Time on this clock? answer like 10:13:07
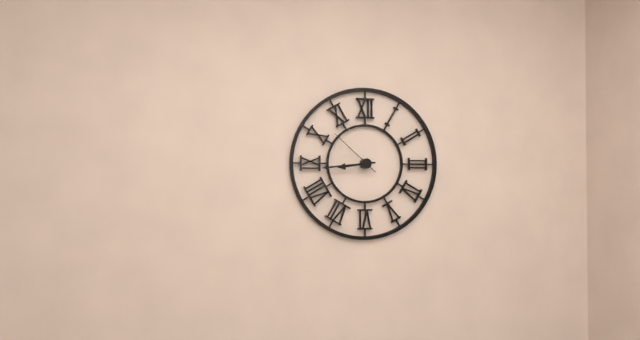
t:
8:44:52
